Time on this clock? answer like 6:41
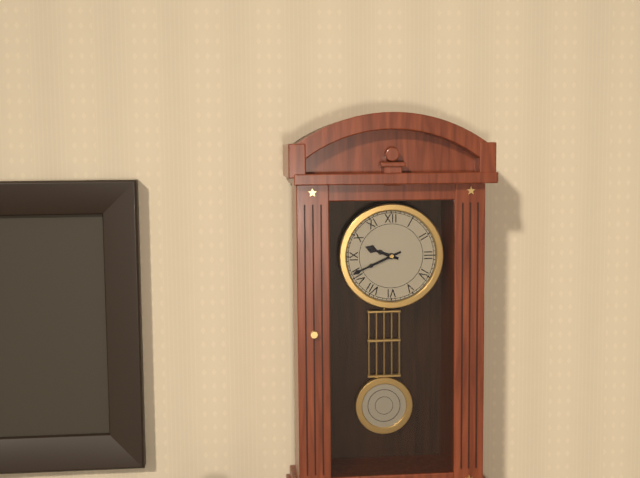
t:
9:41
